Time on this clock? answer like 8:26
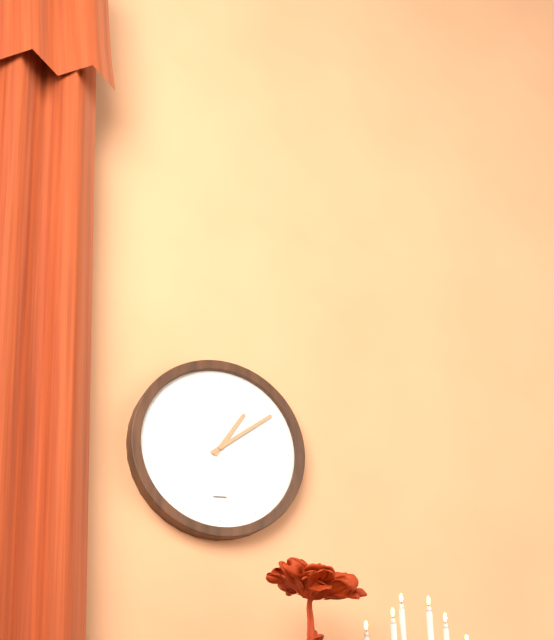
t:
1:09
